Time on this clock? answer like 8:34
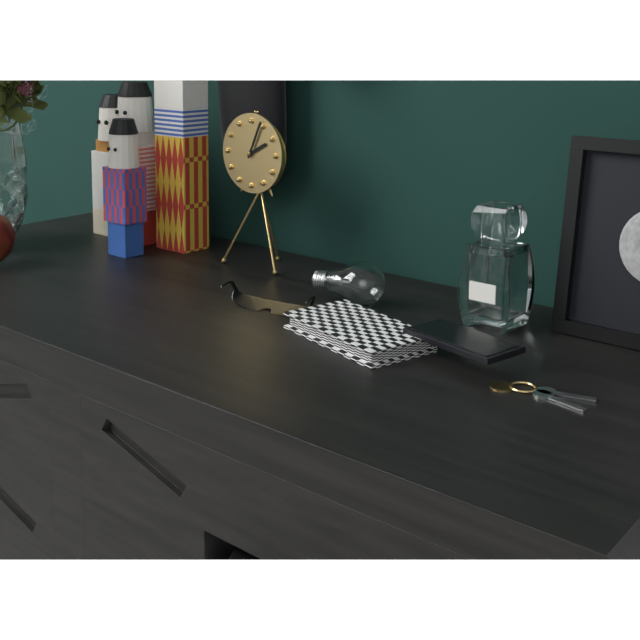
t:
2:04
